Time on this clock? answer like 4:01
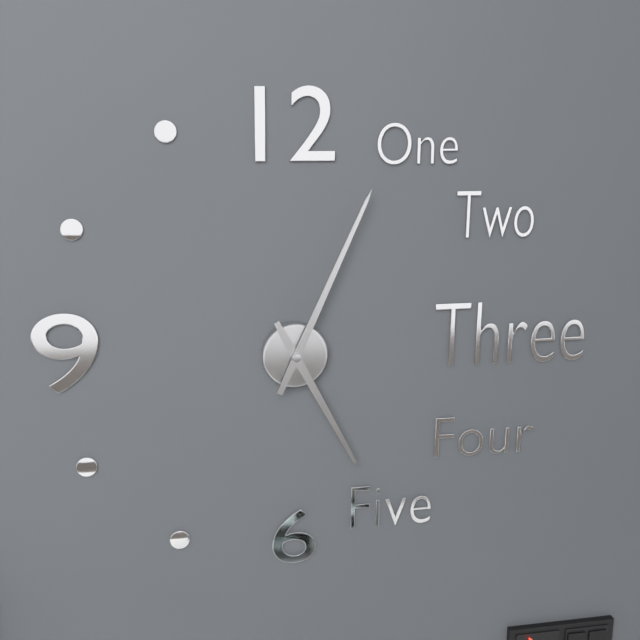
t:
5:04
